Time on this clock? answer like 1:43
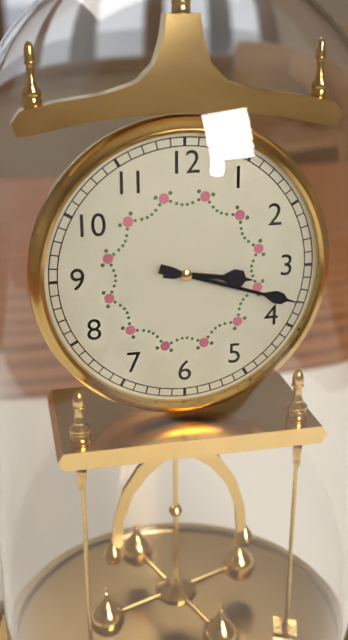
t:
3:18
